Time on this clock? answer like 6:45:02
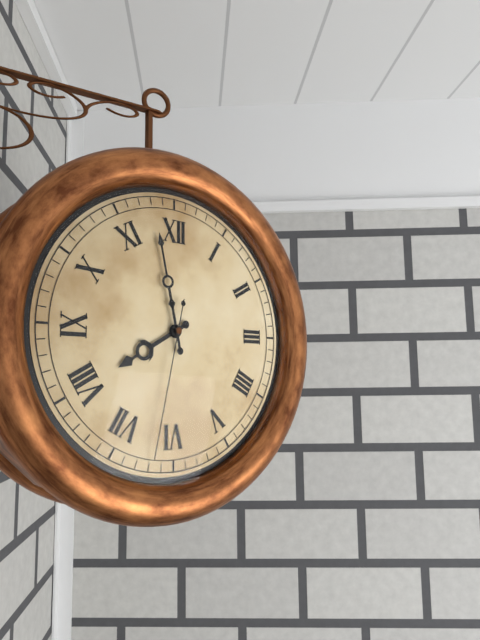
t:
7:58:32
